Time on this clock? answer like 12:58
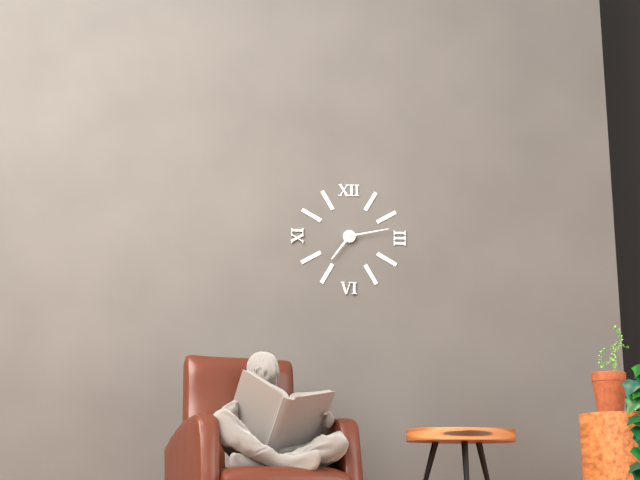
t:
7:13
